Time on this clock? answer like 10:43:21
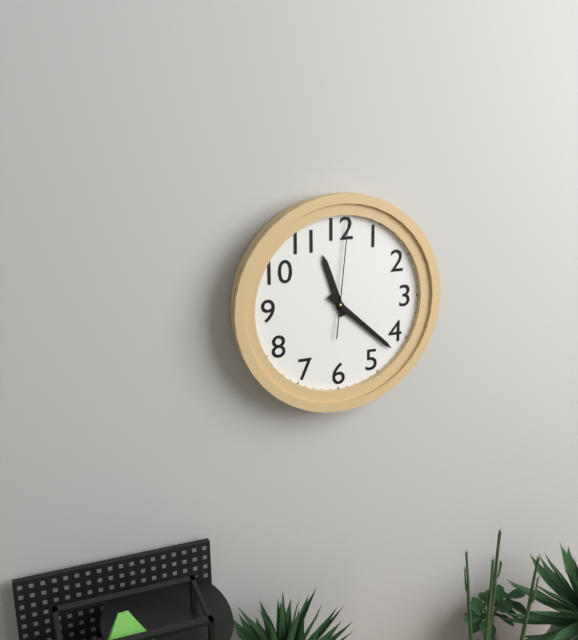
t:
11:22:01
